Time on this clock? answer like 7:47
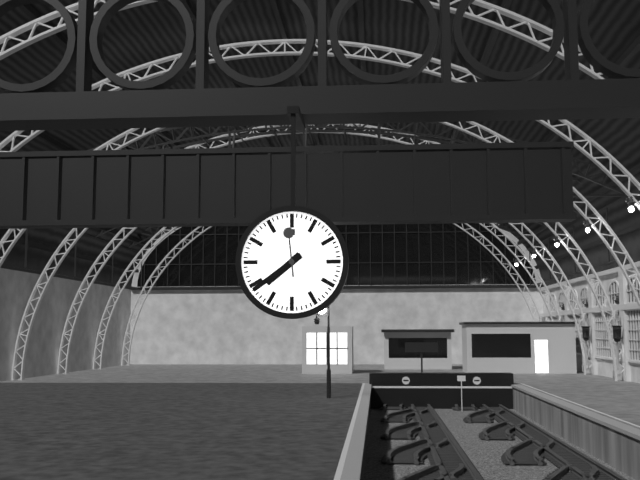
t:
7:39
